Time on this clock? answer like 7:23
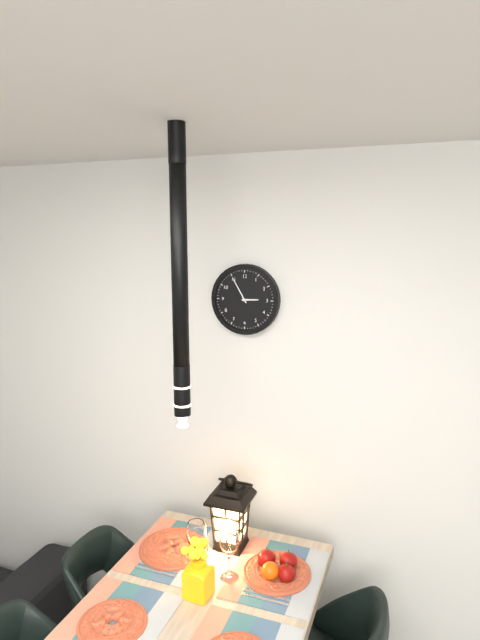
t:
2:55
